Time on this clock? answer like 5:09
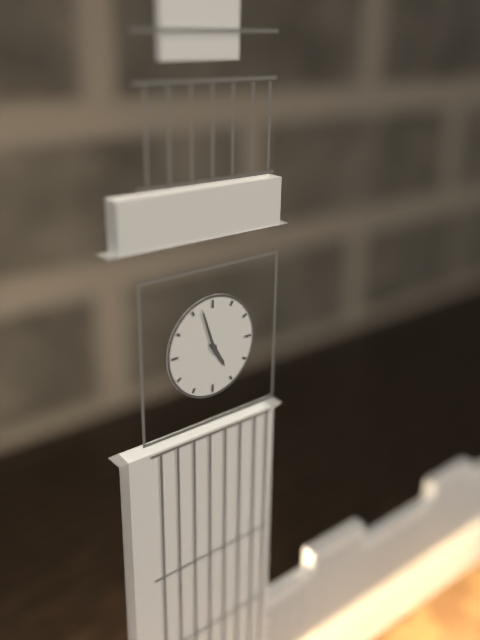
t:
4:57
